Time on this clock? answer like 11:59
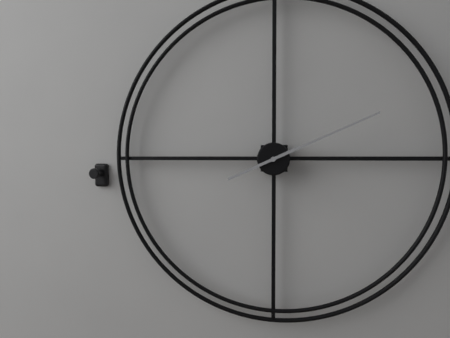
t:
8:11
